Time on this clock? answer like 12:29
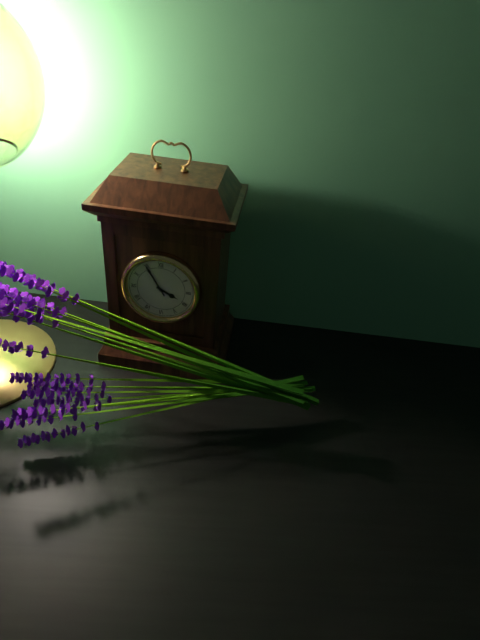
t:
3:55
